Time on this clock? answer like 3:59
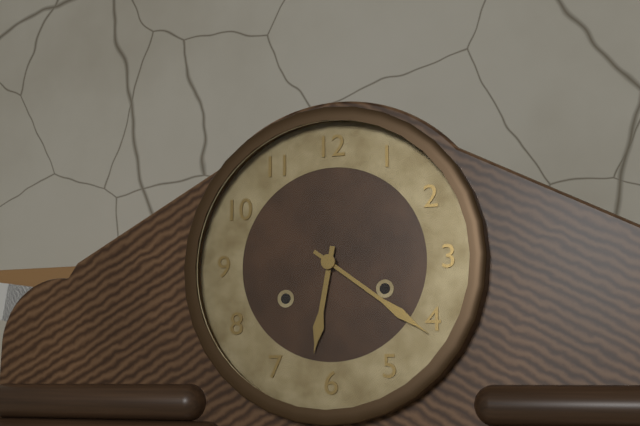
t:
6:21
